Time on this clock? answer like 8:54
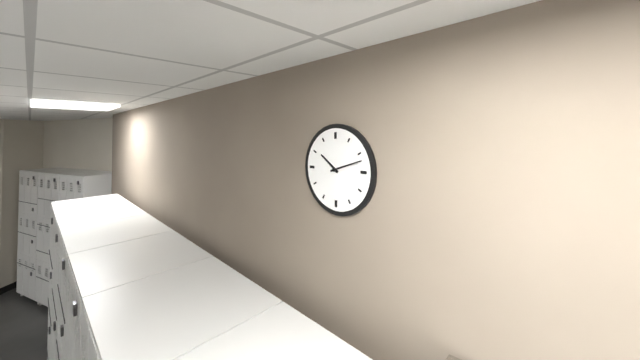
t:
10:12
